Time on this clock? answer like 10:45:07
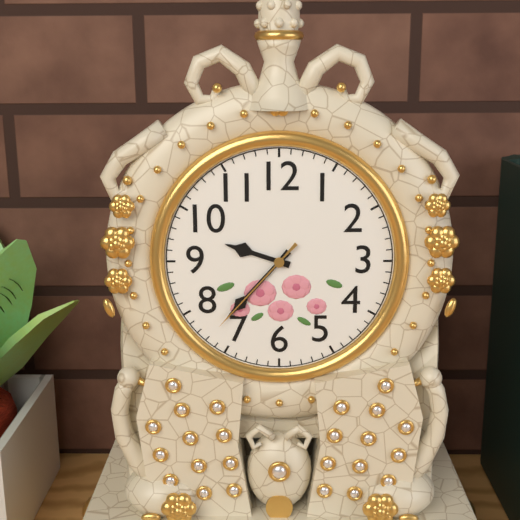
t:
9:37:37
